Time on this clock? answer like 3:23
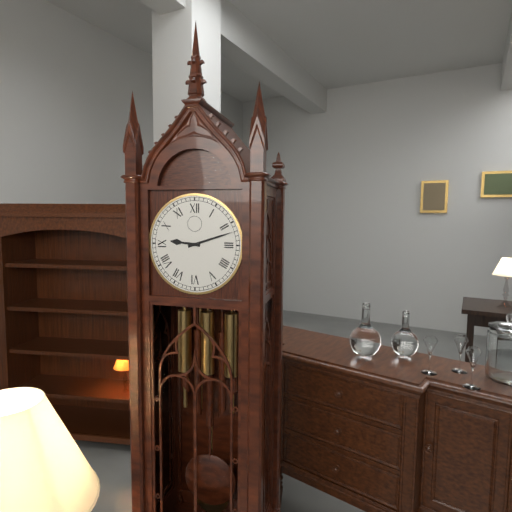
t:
9:12
